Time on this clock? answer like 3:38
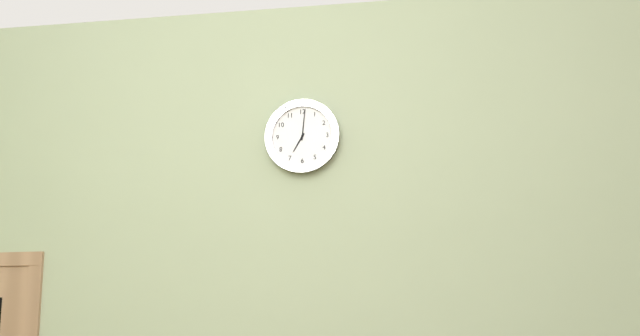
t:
7:01
